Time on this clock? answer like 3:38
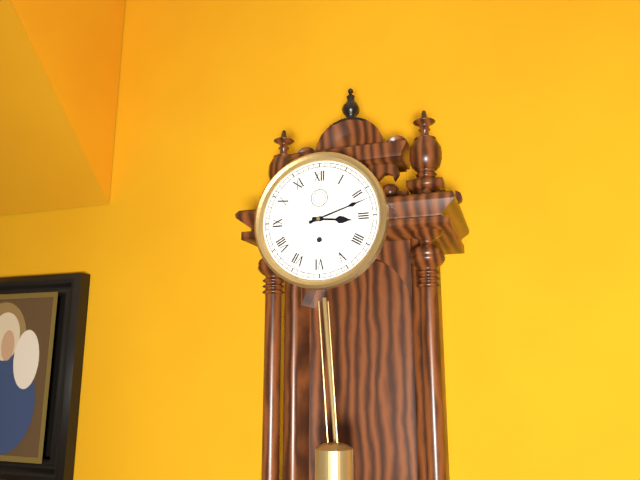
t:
3:12
